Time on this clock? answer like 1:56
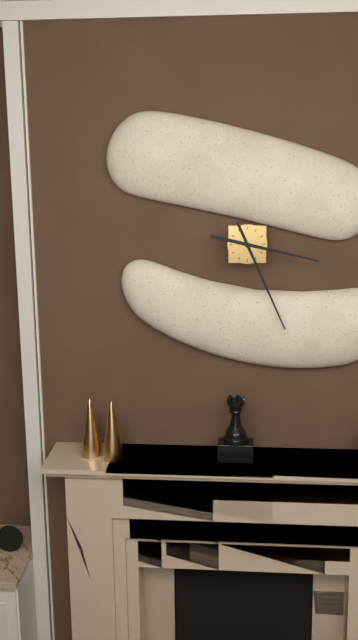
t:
3:26
